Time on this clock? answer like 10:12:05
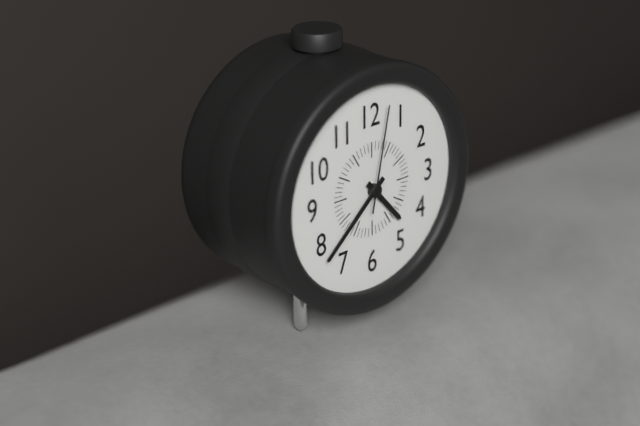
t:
4:38:02
